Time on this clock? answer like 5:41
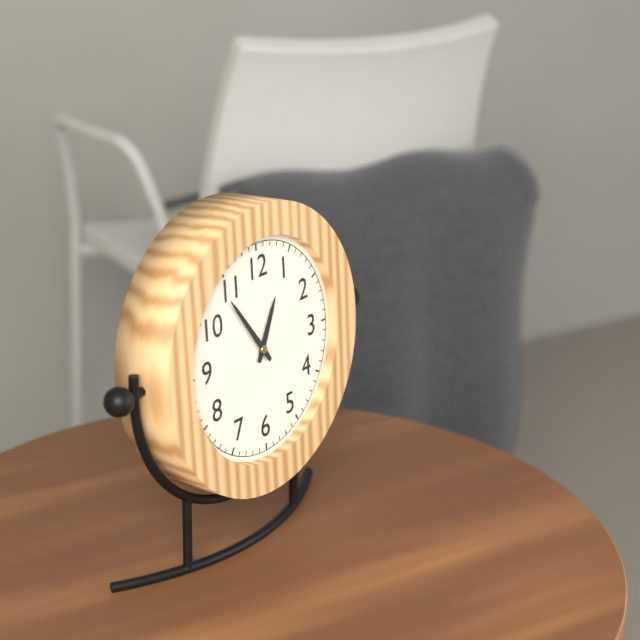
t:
12:54
